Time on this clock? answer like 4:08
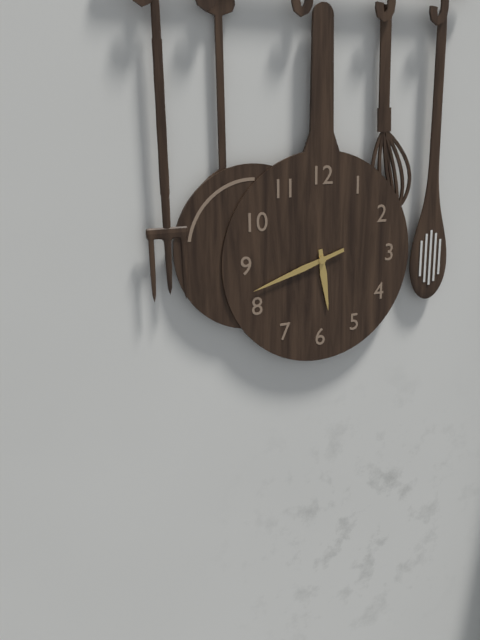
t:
5:42
